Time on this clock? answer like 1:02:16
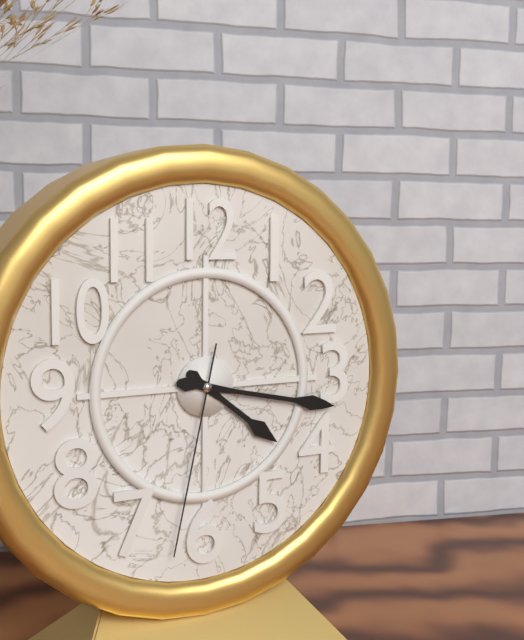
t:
4:17:32
